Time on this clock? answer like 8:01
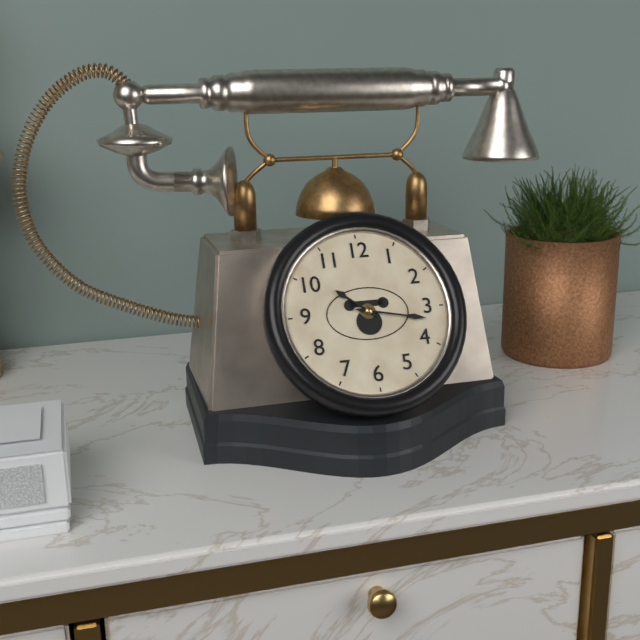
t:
10:17
